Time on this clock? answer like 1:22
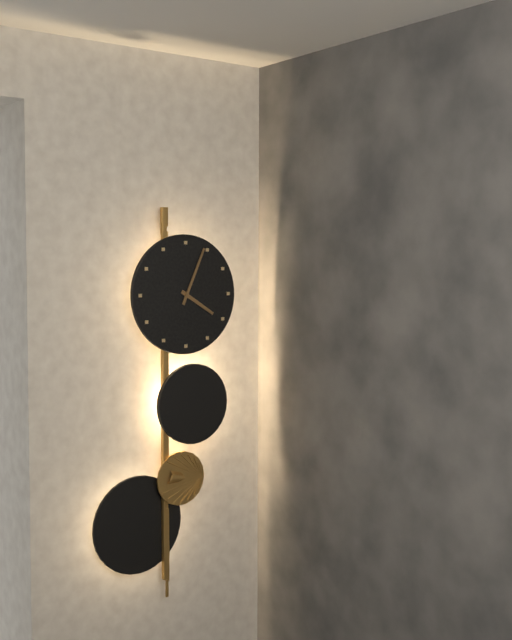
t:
4:04
